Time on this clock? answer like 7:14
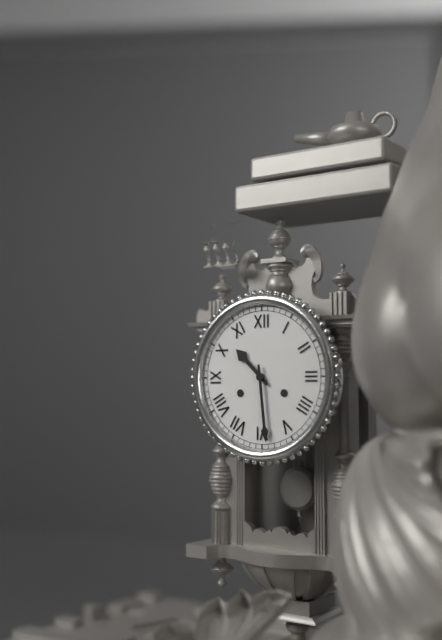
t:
10:29
